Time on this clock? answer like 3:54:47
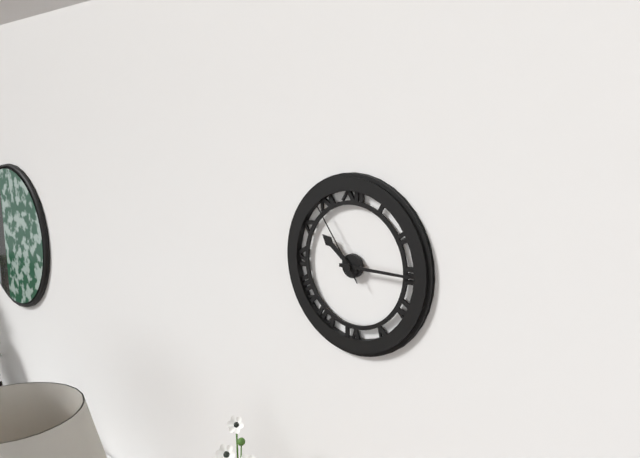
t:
10:15:54
